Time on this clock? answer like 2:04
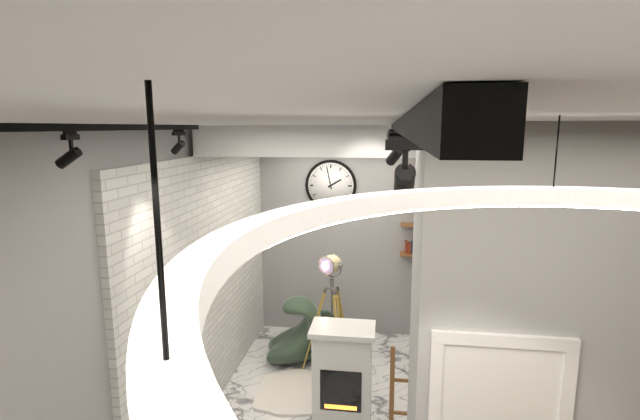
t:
1:58
